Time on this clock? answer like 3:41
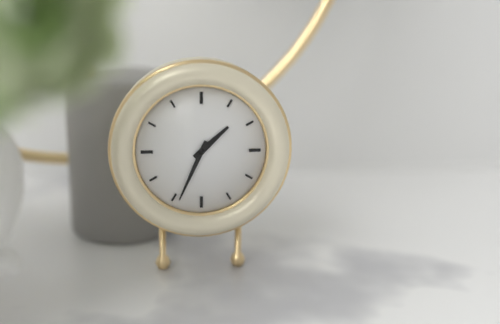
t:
1:34
